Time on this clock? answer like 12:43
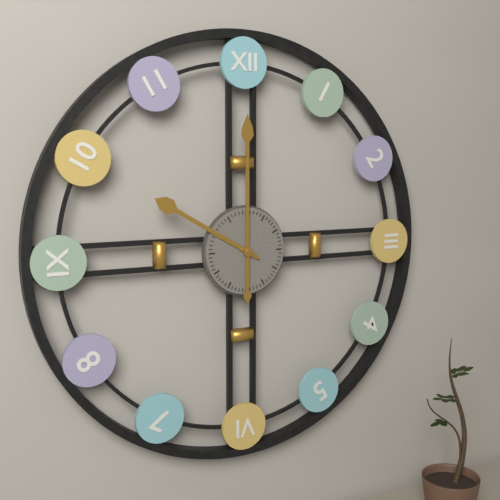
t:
10:00
